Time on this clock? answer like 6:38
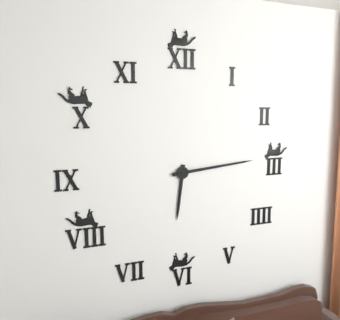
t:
6:14
